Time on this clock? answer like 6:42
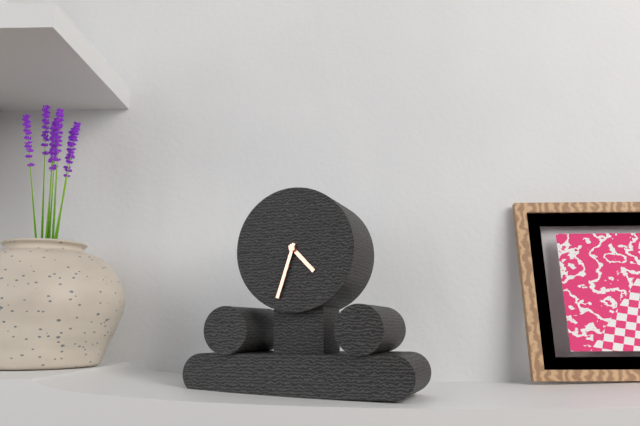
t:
4:33
